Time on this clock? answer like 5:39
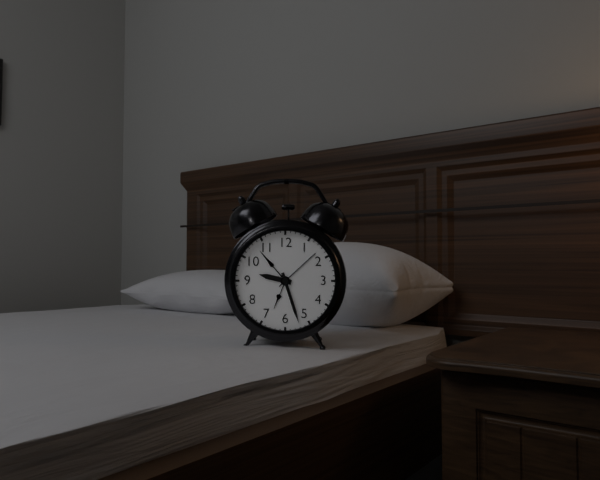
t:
9:27
